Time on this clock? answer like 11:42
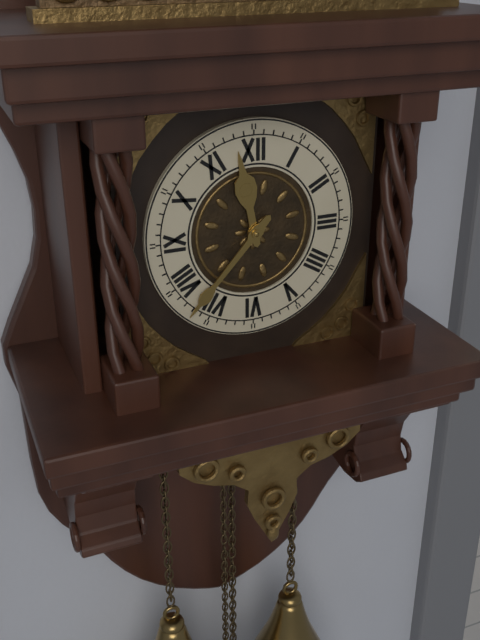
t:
11:37
